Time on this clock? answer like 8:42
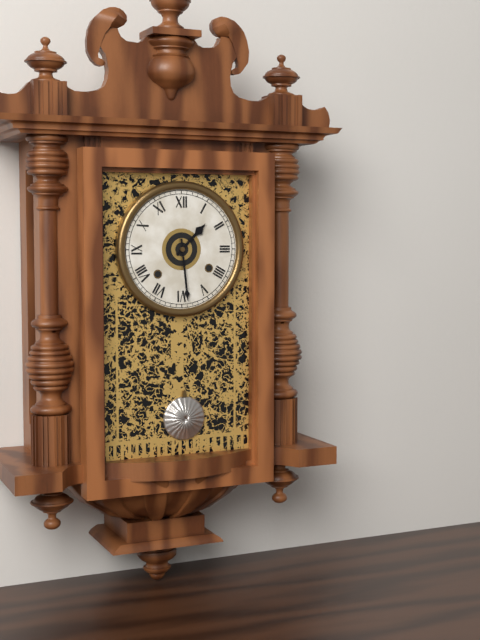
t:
1:29
